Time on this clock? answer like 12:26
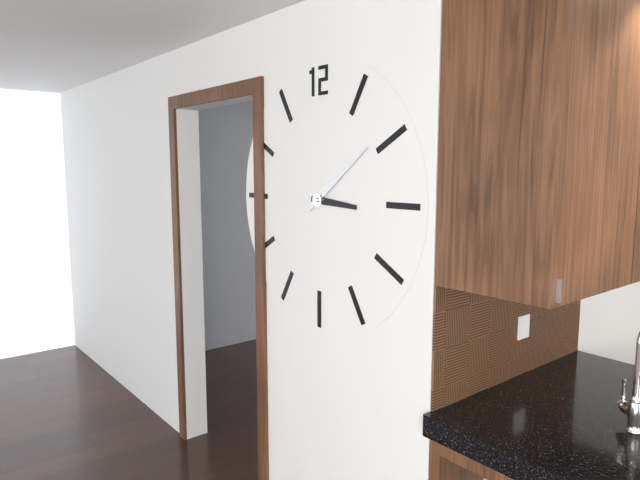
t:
3:09
